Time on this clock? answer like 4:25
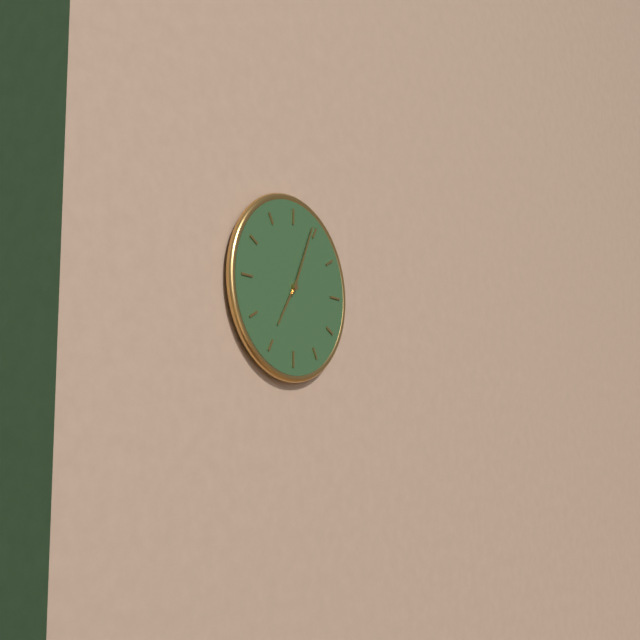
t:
7:04
